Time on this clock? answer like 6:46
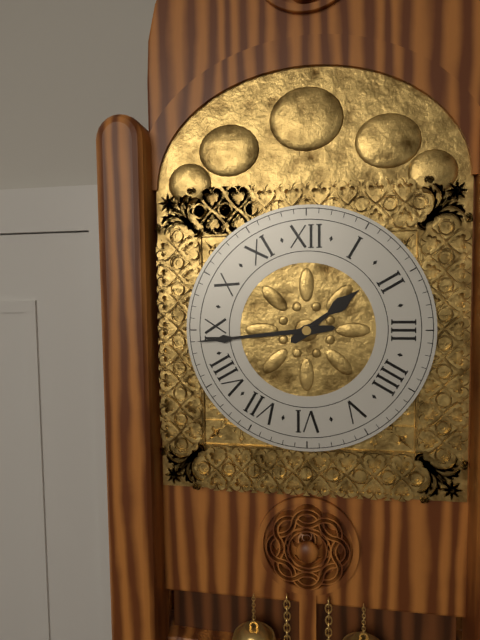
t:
1:44
